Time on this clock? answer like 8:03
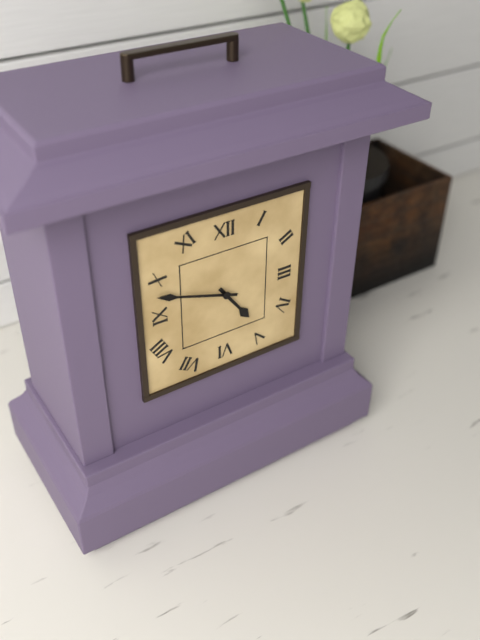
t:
4:48
